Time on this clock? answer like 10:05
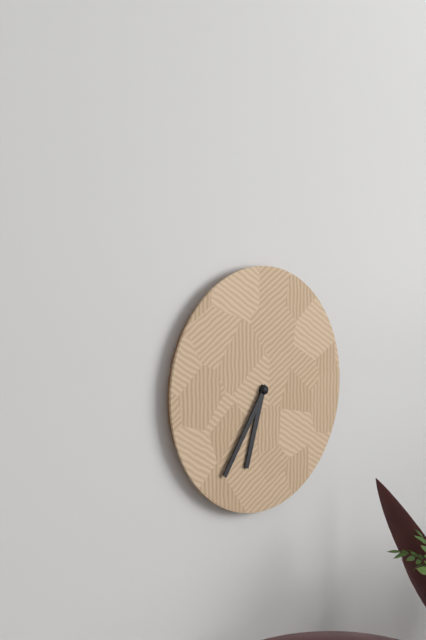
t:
6:36
